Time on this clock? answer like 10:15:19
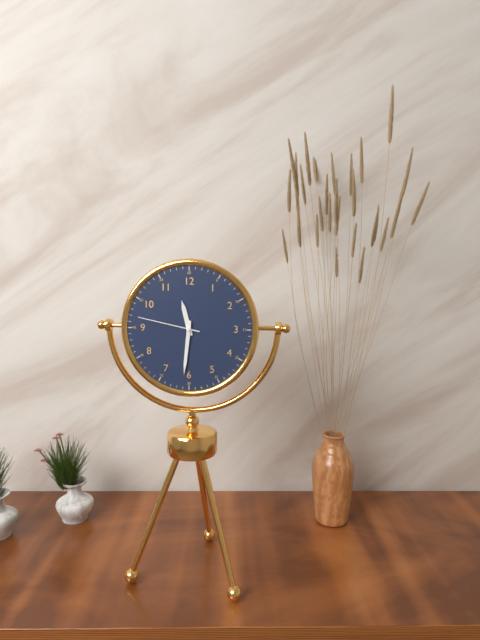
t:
11:31:47
